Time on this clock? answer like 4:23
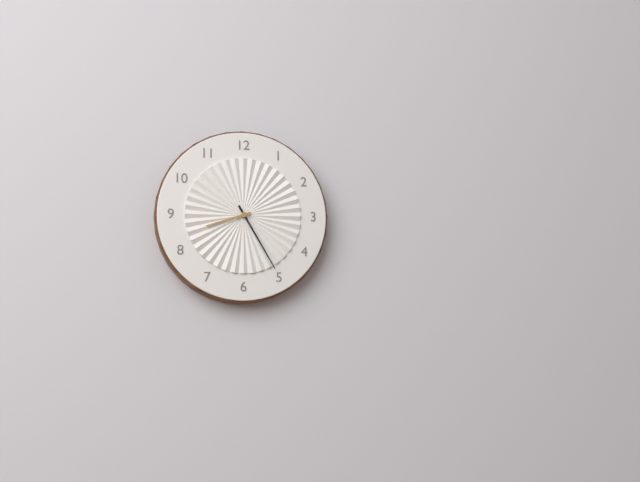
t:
8:25
